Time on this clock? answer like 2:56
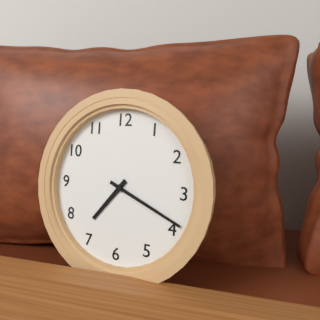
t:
7:19
